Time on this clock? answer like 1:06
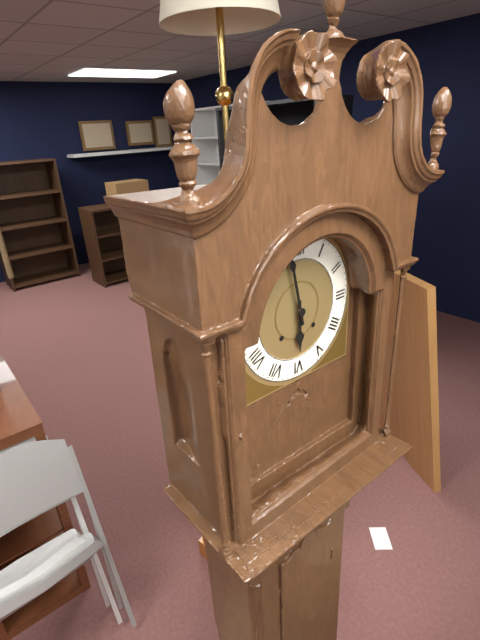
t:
5:58
